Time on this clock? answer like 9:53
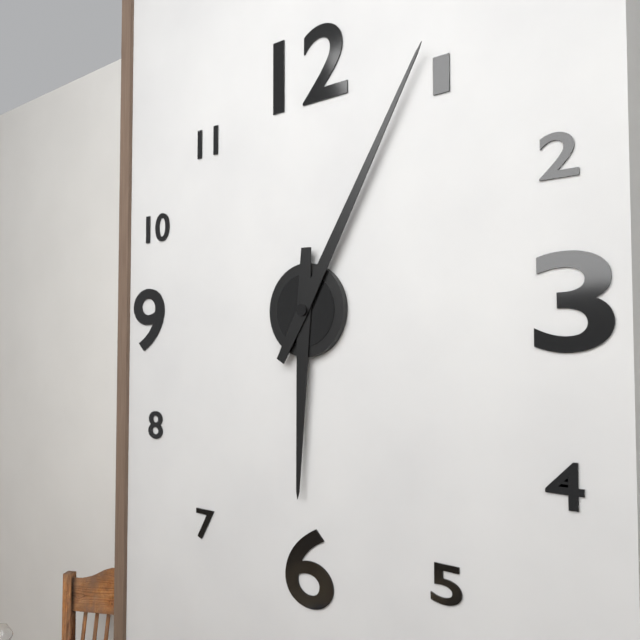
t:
6:05
